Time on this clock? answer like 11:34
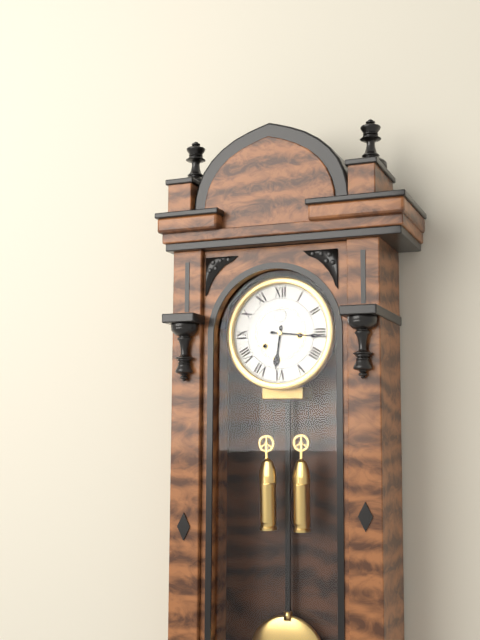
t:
6:16
